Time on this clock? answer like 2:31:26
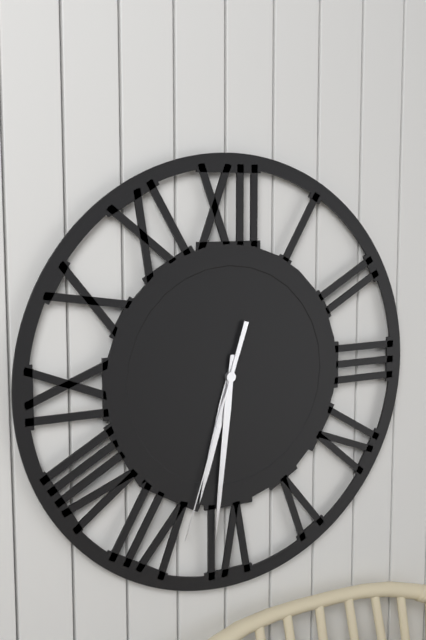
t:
6:31:33
